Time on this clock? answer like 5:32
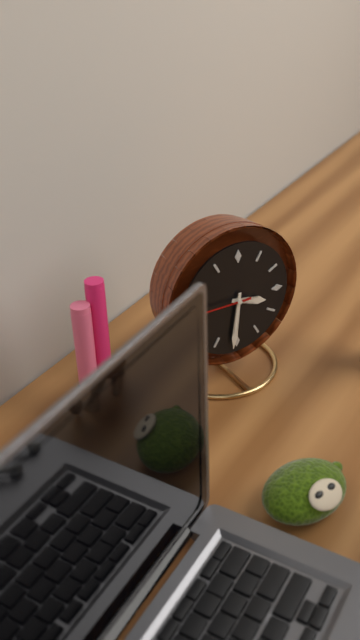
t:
3:31
